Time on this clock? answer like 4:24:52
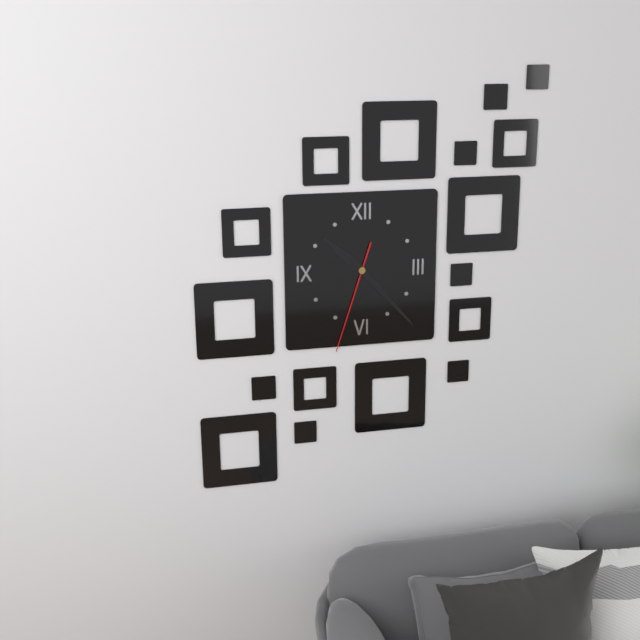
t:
10:23:33
